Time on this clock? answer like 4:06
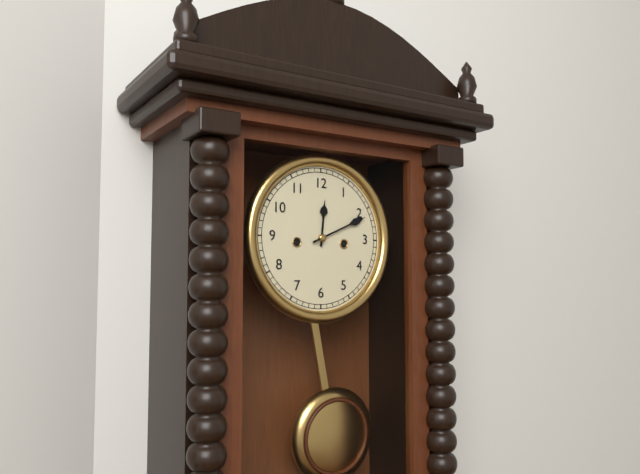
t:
12:11
